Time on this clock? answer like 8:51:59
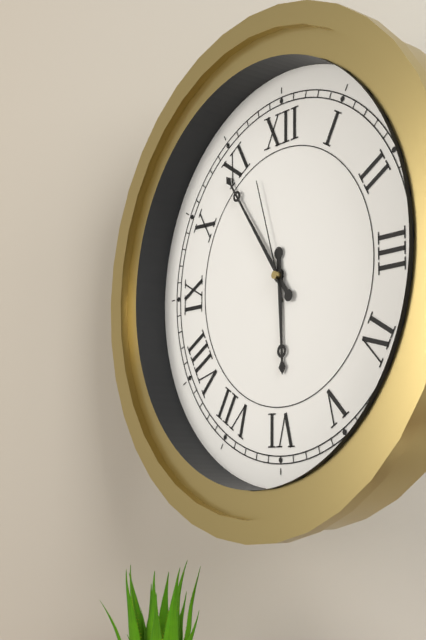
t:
5:54:57
